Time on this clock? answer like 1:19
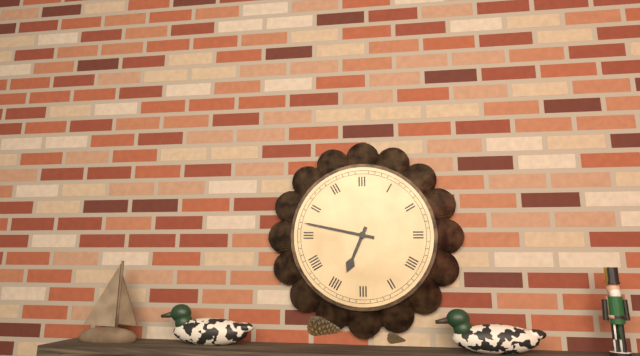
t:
6:47
